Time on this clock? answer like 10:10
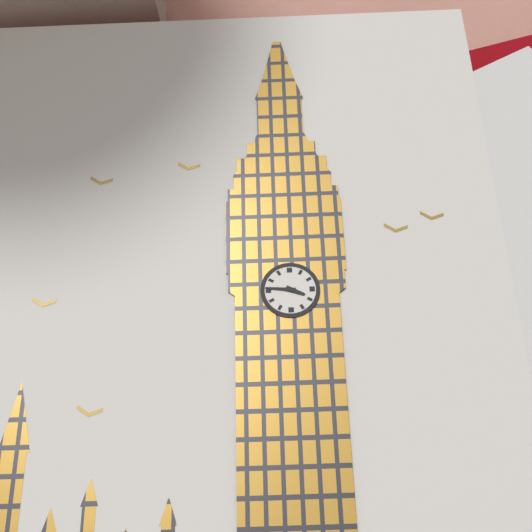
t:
3:46
